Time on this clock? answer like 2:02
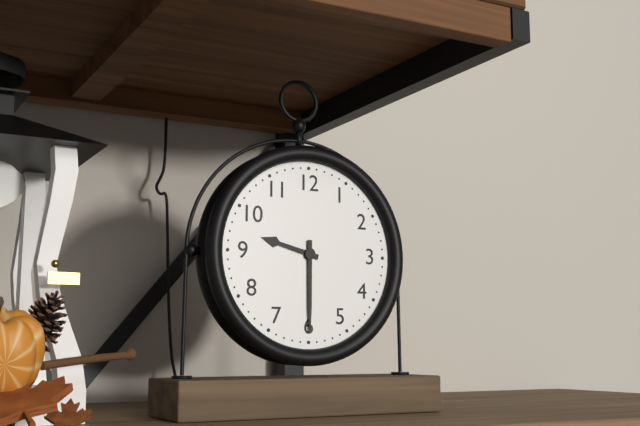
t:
9:30
